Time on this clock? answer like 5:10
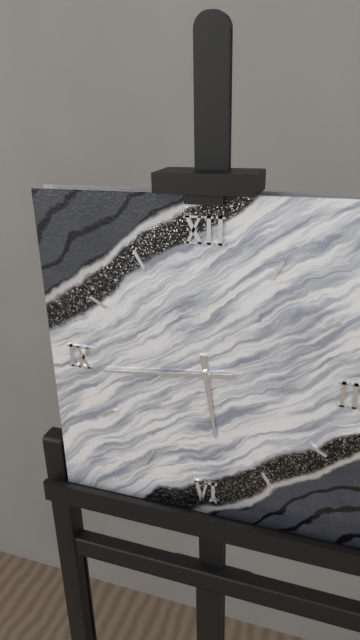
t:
5:44
